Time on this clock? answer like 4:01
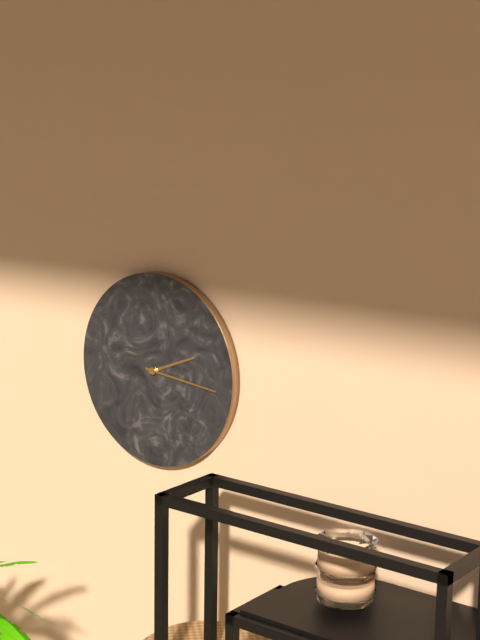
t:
2:16
